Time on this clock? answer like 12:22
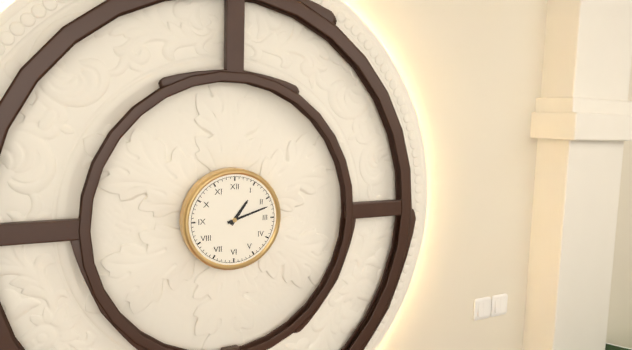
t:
1:12
